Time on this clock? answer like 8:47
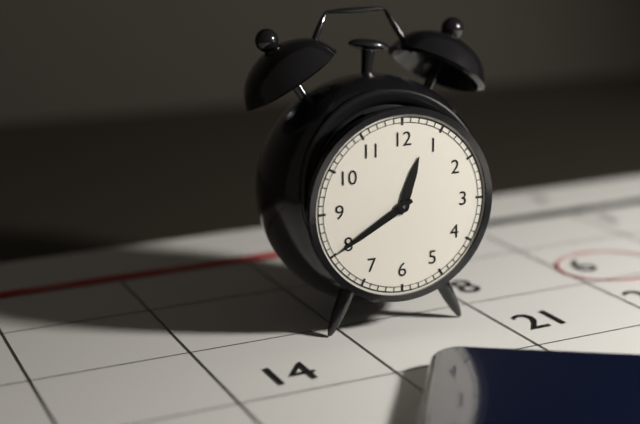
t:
12:40
